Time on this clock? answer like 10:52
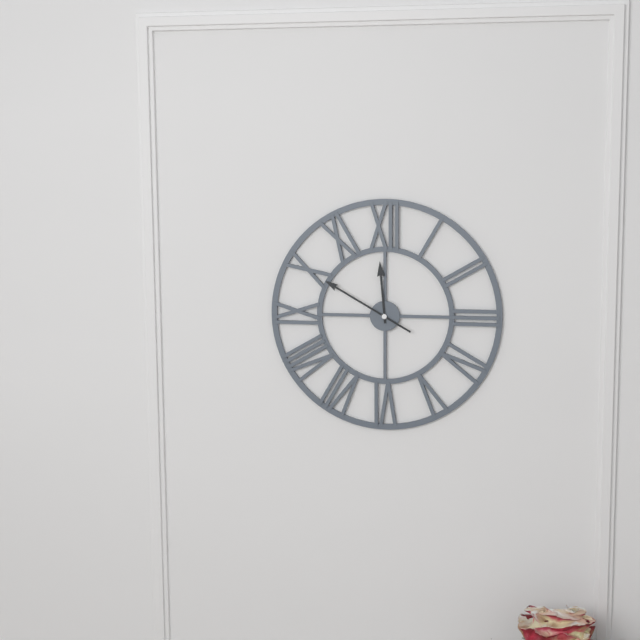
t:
11:50
